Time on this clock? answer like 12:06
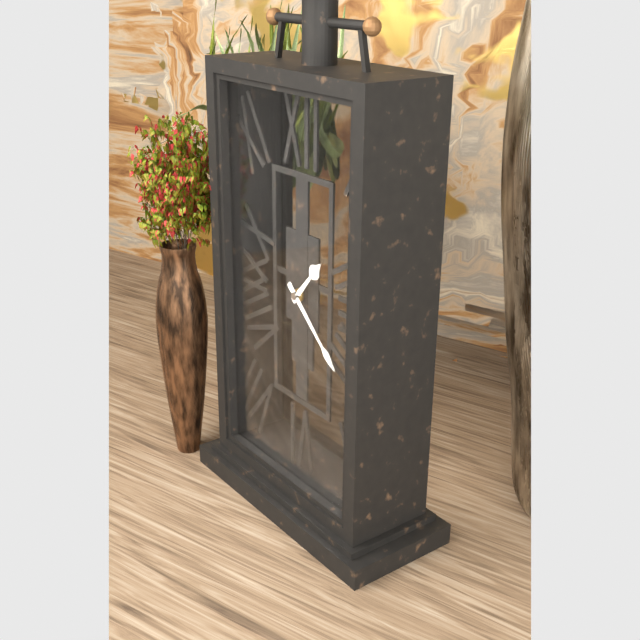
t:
1:22
